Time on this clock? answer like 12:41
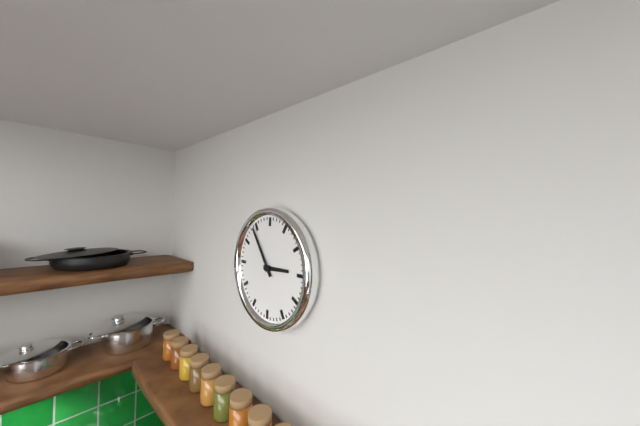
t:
2:54
